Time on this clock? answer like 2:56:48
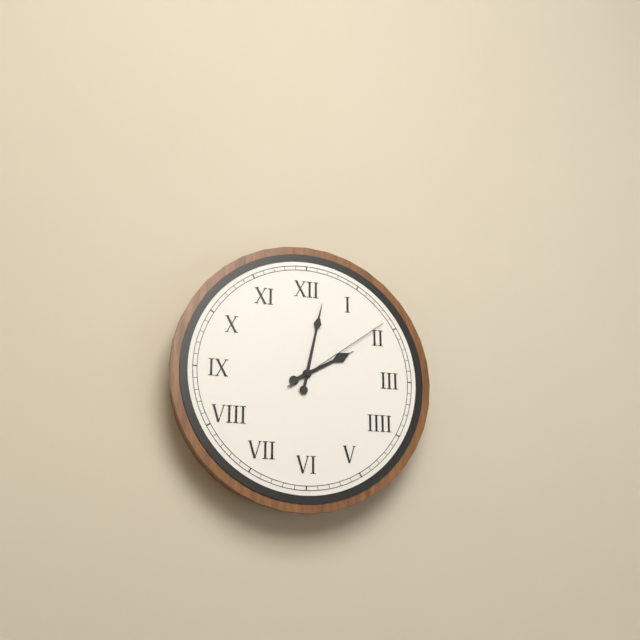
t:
2:02:09
